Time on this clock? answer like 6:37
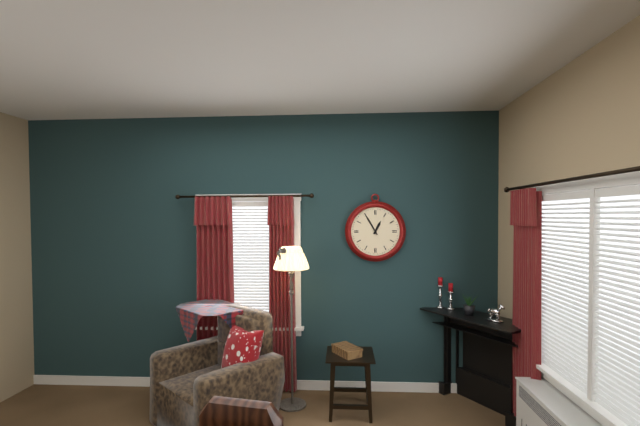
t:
12:55
